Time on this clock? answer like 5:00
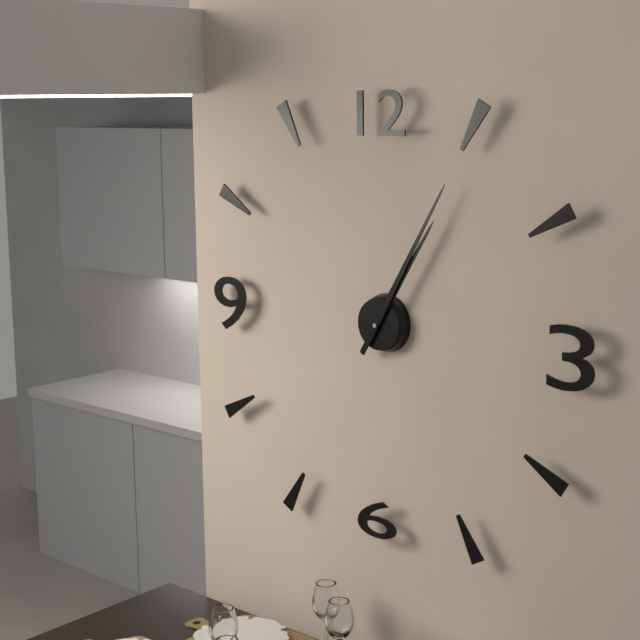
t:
1:05
